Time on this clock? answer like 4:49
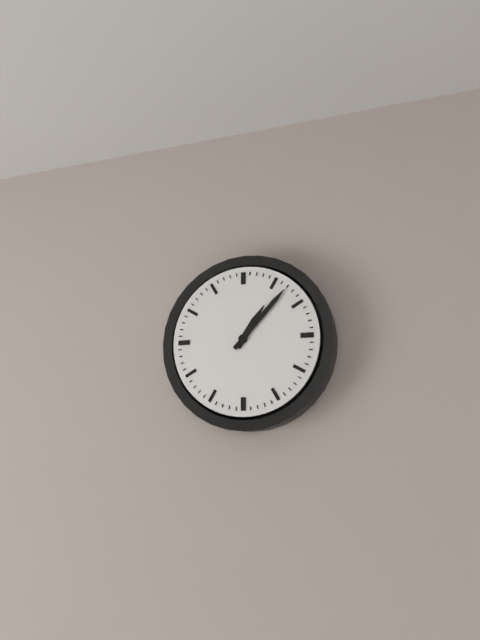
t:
1:07
